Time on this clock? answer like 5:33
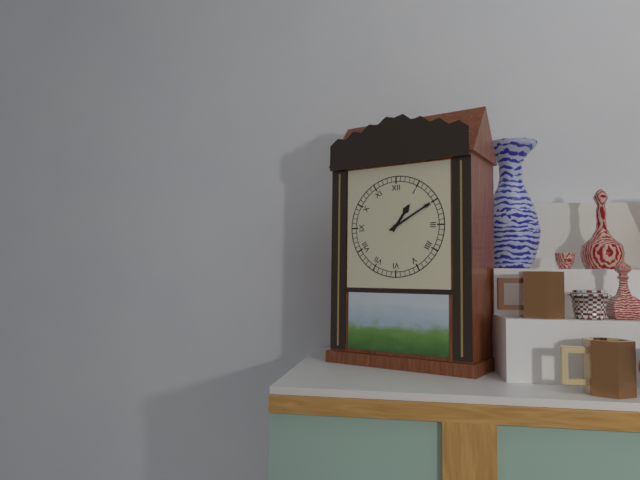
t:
1:10
